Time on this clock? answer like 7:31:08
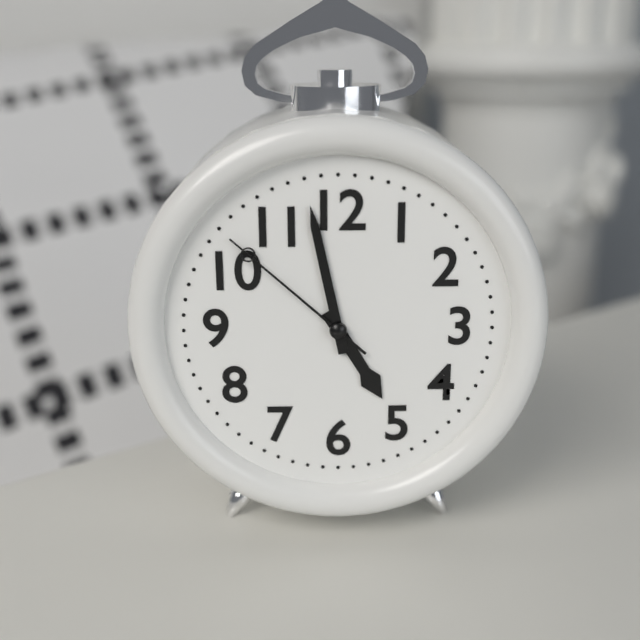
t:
4:58:52
